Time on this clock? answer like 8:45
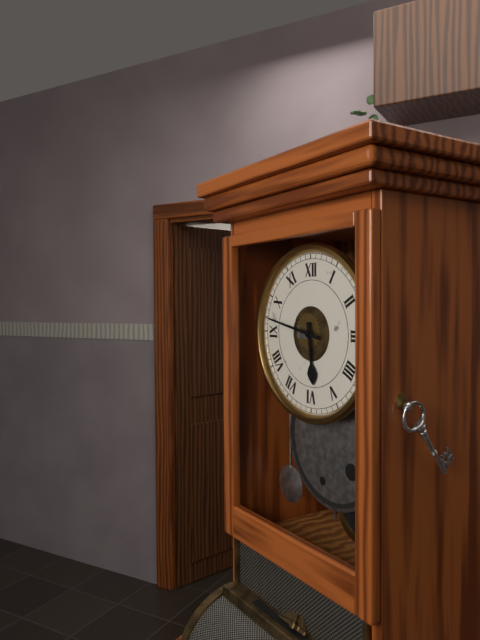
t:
5:47
